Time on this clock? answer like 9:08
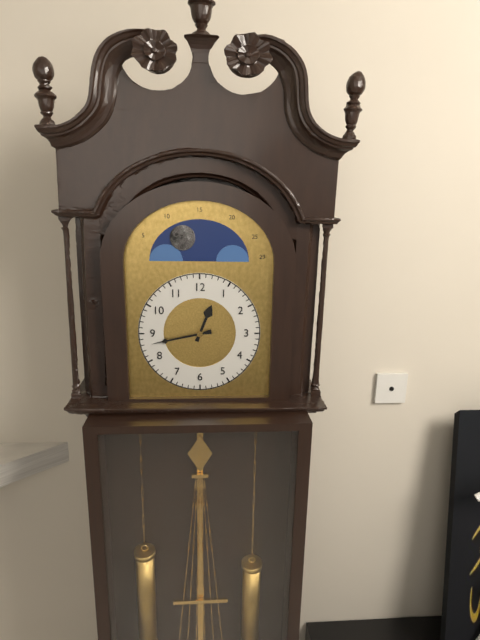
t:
12:43
